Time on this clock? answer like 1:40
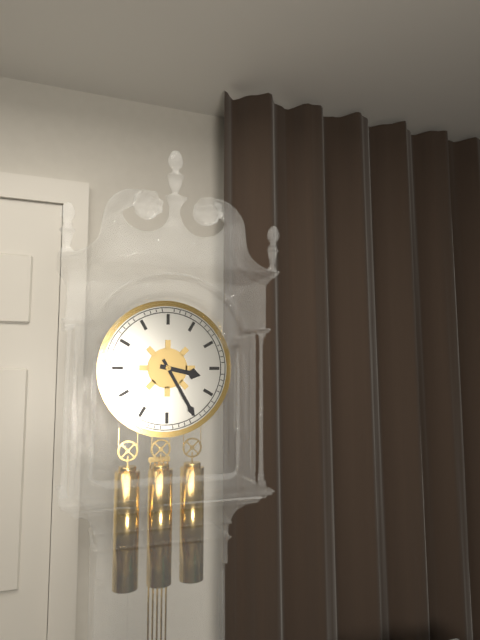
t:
3:25
